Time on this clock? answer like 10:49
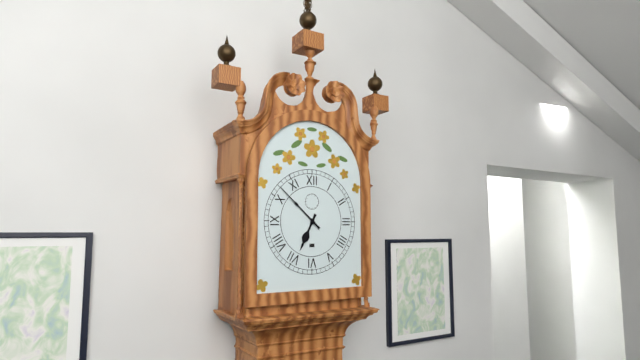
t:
6:52
